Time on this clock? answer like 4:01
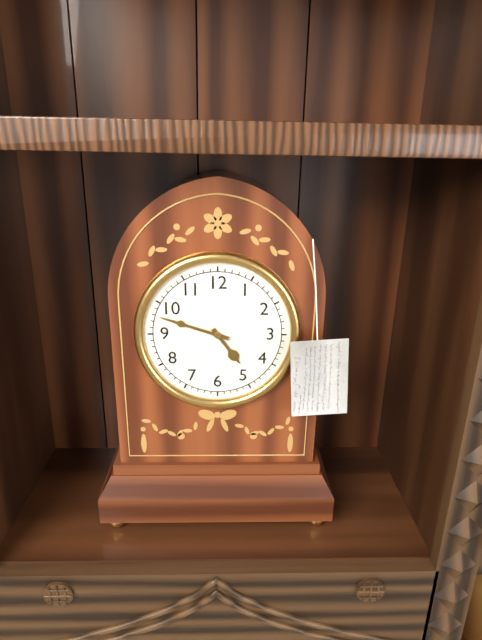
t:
4:48
